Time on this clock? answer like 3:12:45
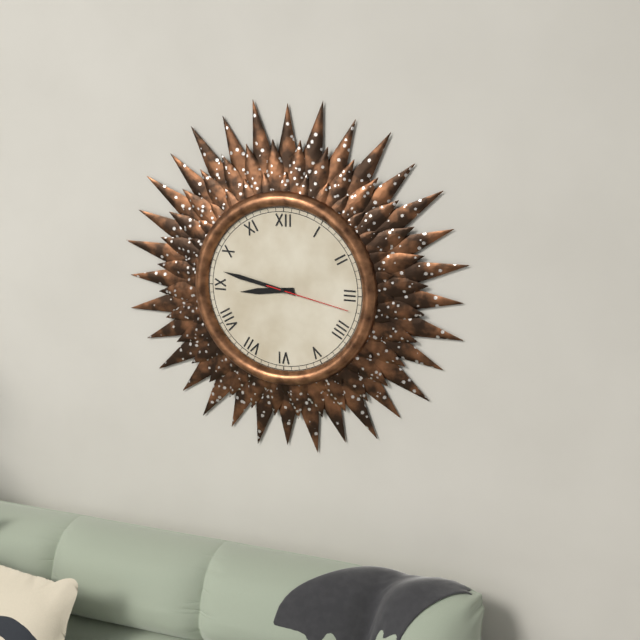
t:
8:47:17
